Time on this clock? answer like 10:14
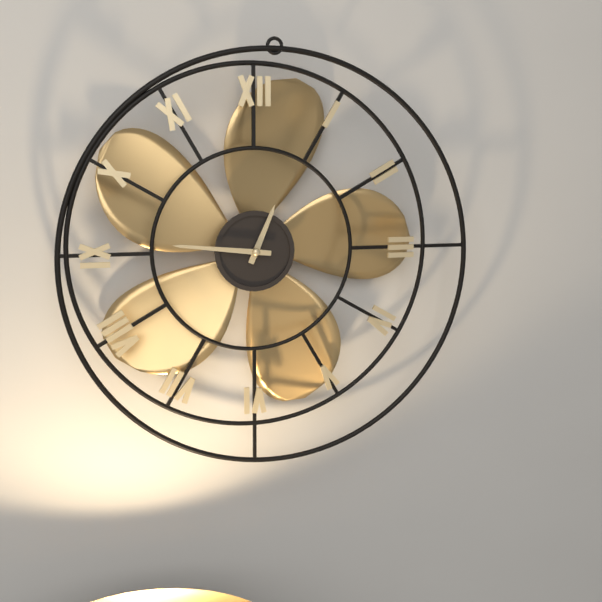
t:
12:46
